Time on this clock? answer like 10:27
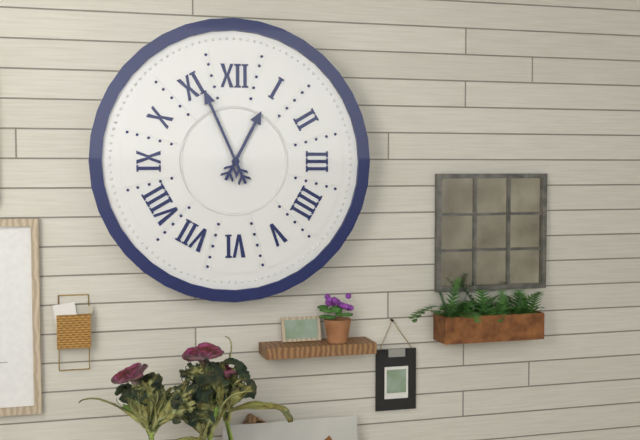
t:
12:56
